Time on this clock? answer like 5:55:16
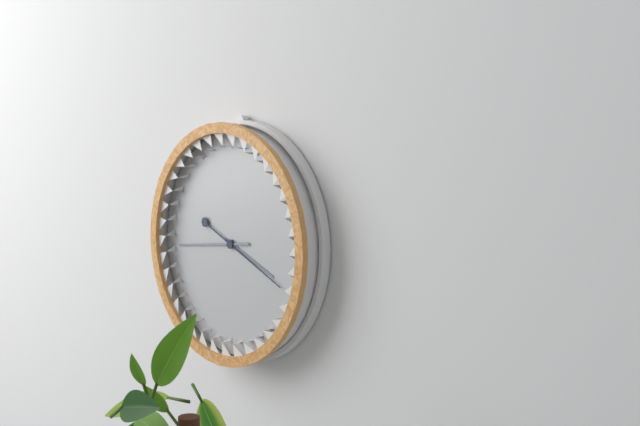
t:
3:44:19
